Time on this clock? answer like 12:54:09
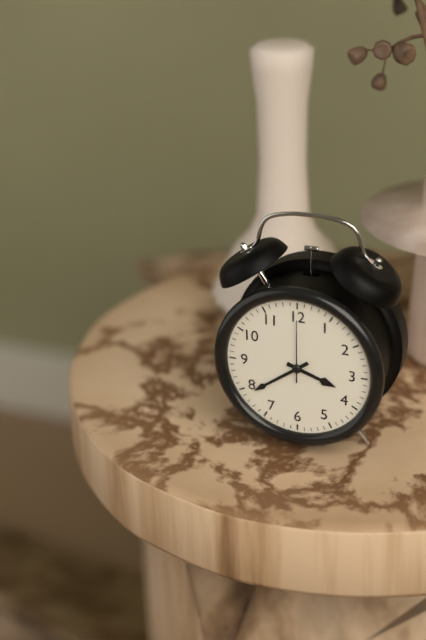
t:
3:39:00
